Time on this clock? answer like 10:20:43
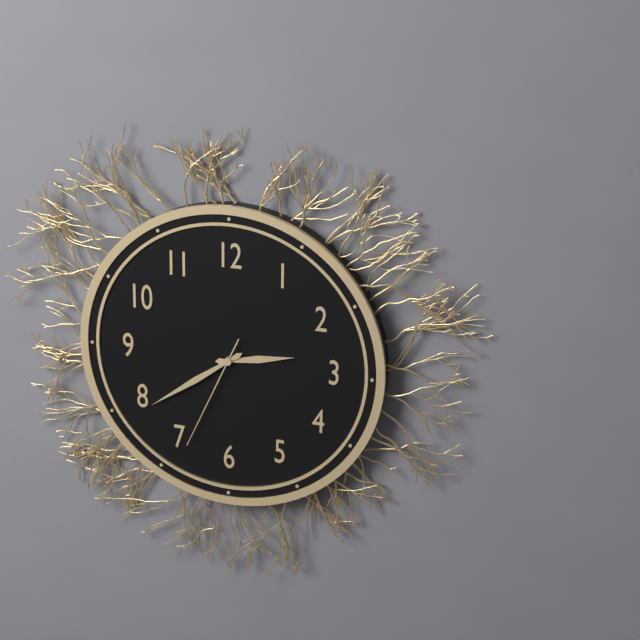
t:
2:39:34
